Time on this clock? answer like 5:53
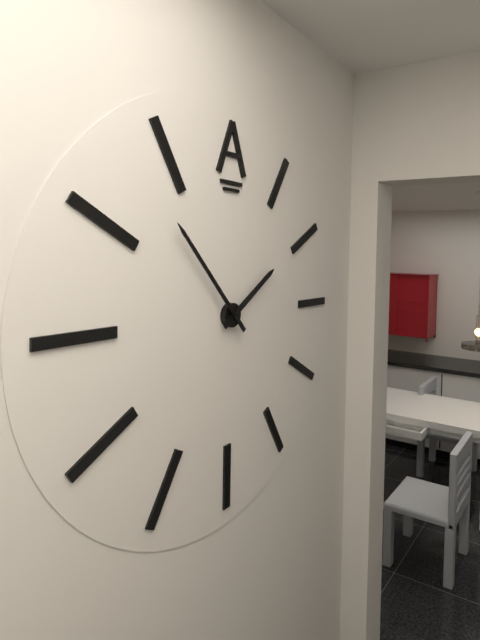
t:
1:53
